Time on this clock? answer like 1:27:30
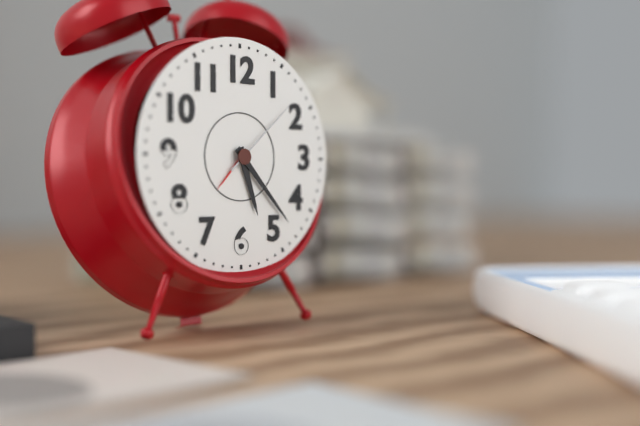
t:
5:23:08
